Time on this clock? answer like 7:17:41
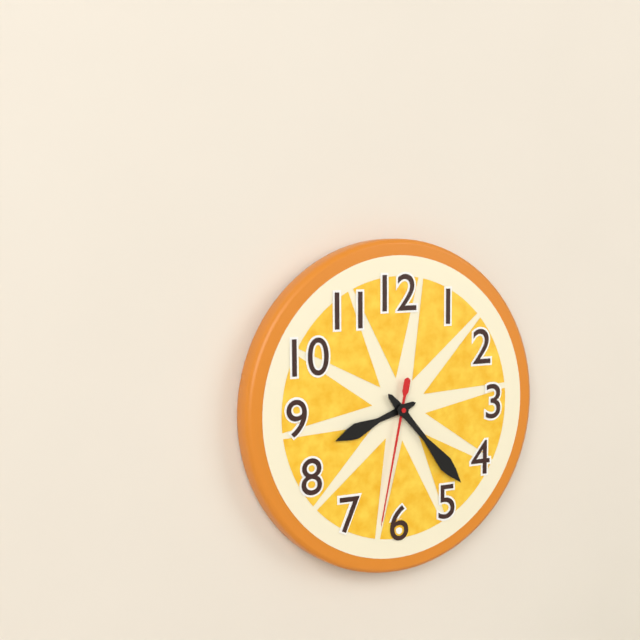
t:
8:23:32
